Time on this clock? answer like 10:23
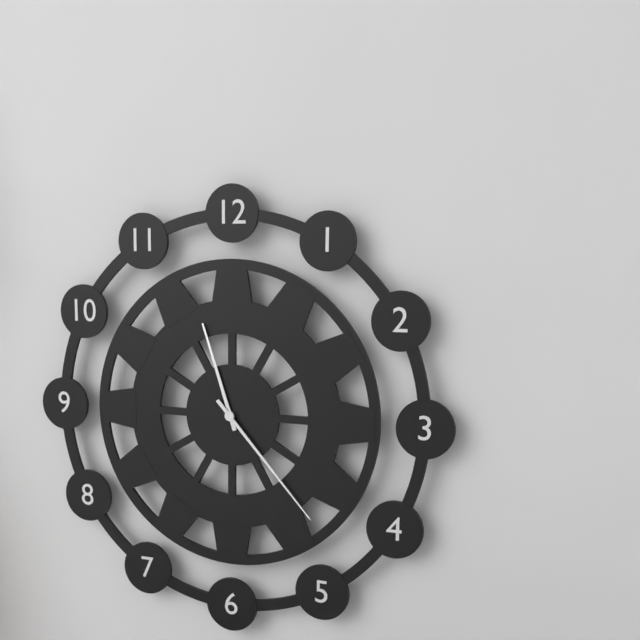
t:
11:23
